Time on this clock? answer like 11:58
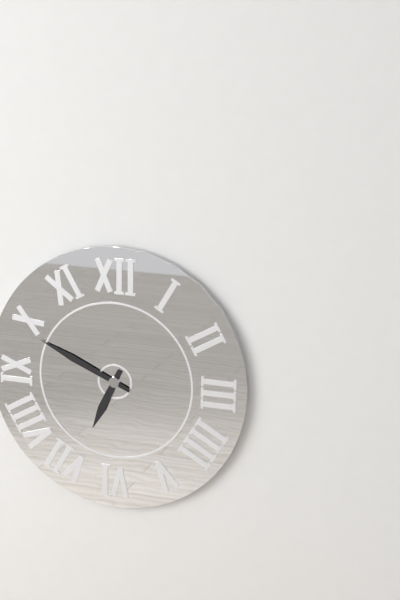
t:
6:49
